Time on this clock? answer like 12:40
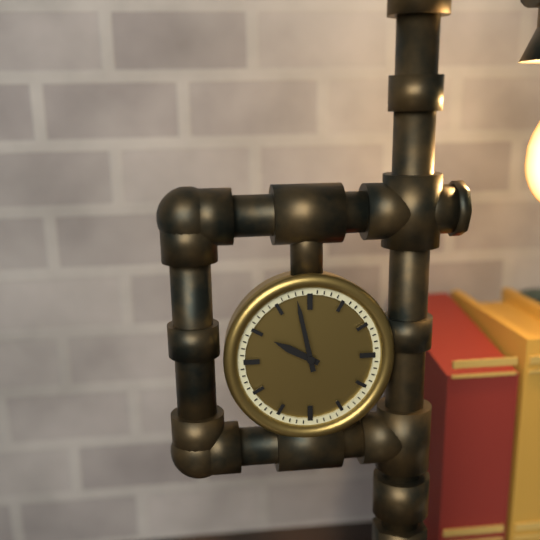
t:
9:58
